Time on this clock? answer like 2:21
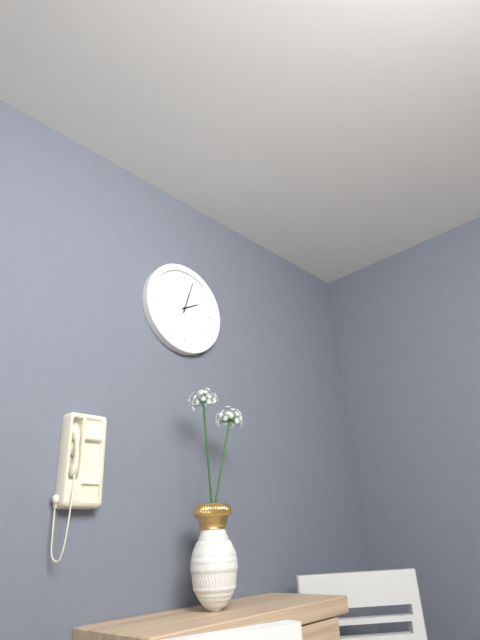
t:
2:03
